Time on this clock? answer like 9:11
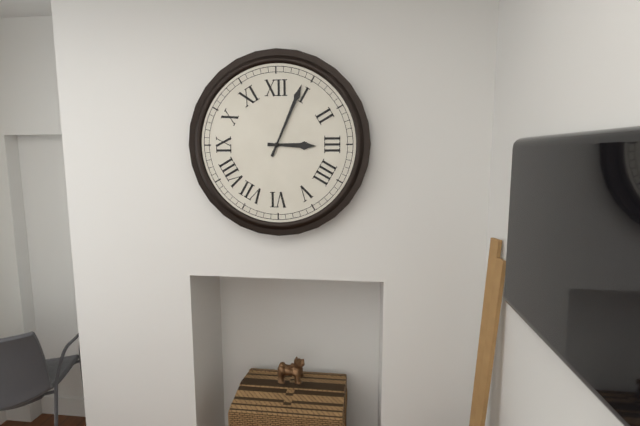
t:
3:04
